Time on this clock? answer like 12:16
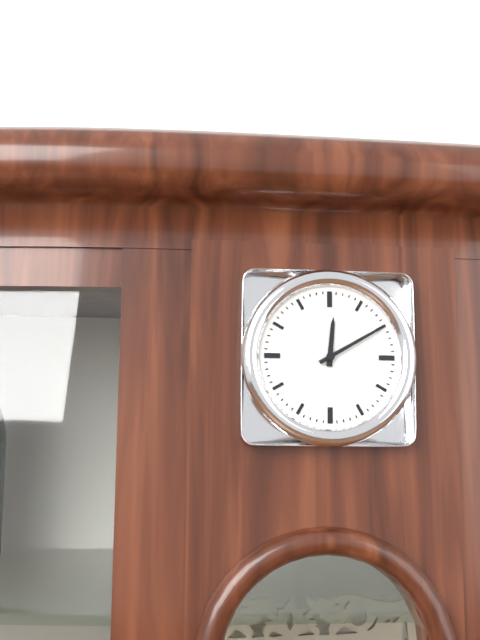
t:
12:10
